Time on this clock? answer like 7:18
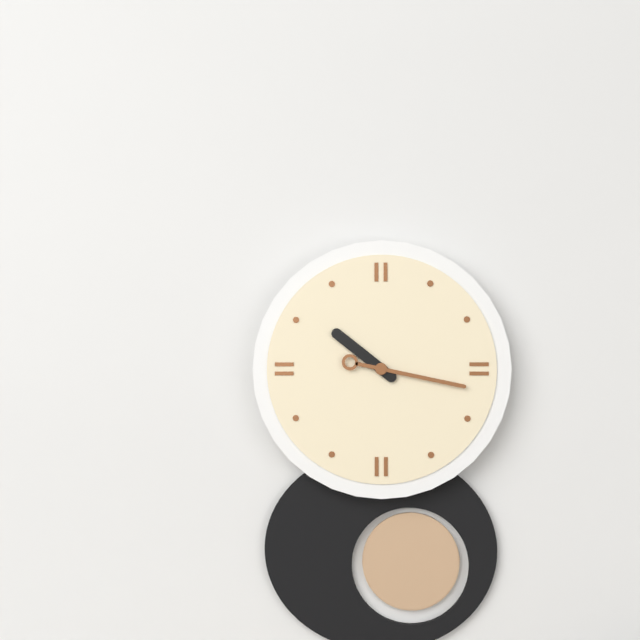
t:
10:17
